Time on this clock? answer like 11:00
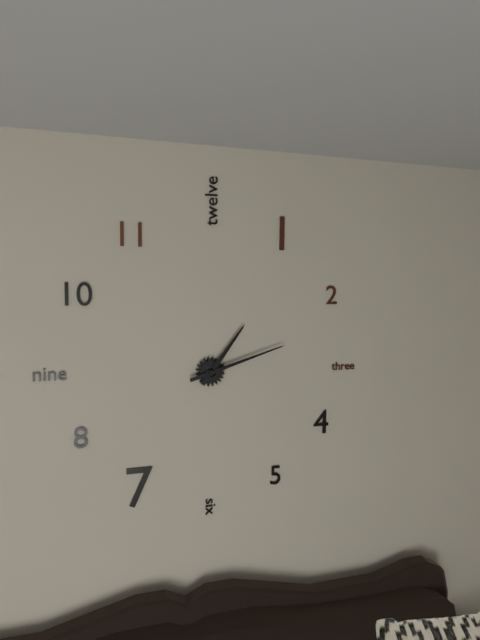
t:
1:12
